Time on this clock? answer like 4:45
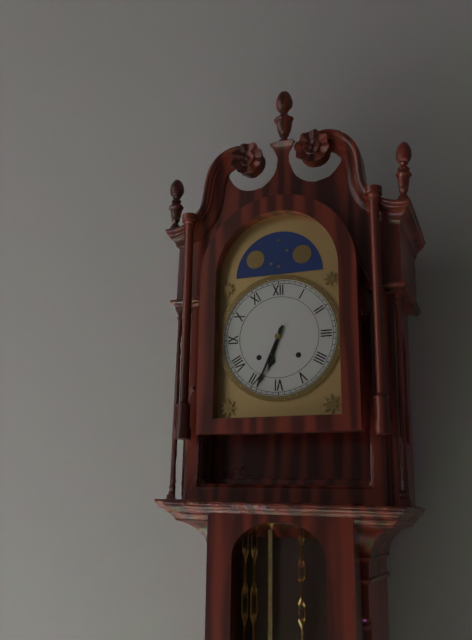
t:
6:34
